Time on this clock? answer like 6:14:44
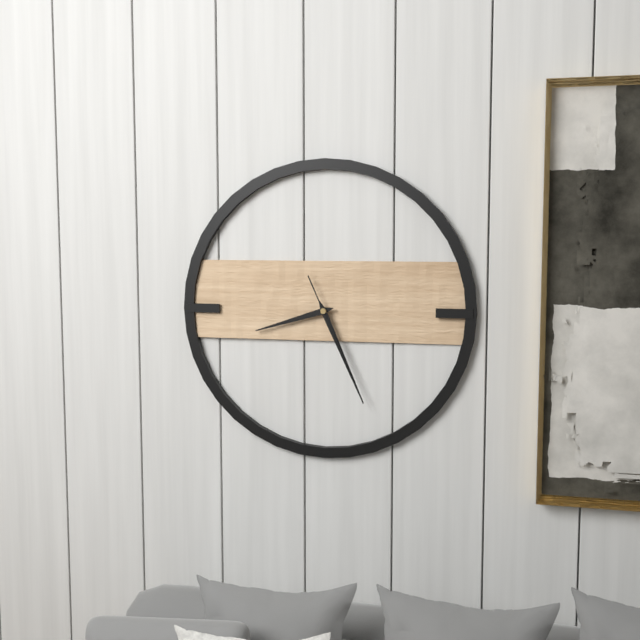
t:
8:26:26
